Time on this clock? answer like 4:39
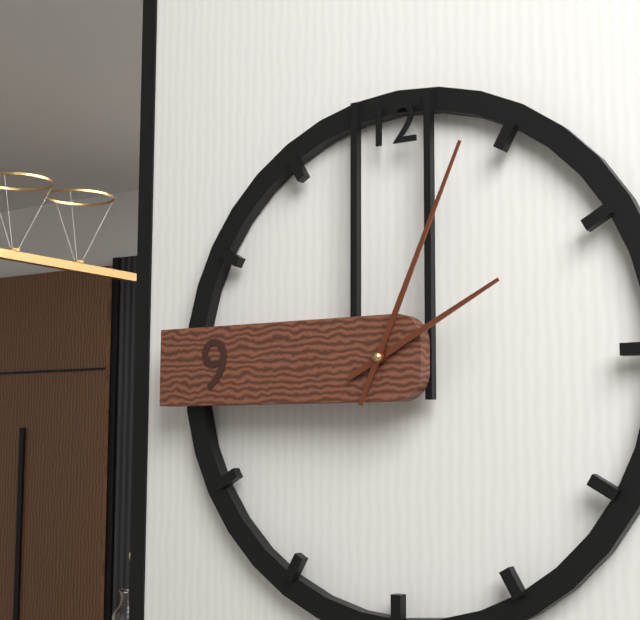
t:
2:04
